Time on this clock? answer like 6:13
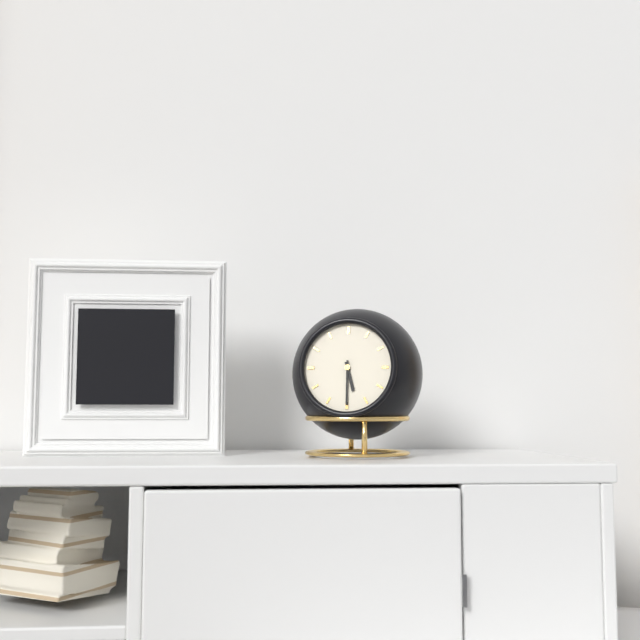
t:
5:30
